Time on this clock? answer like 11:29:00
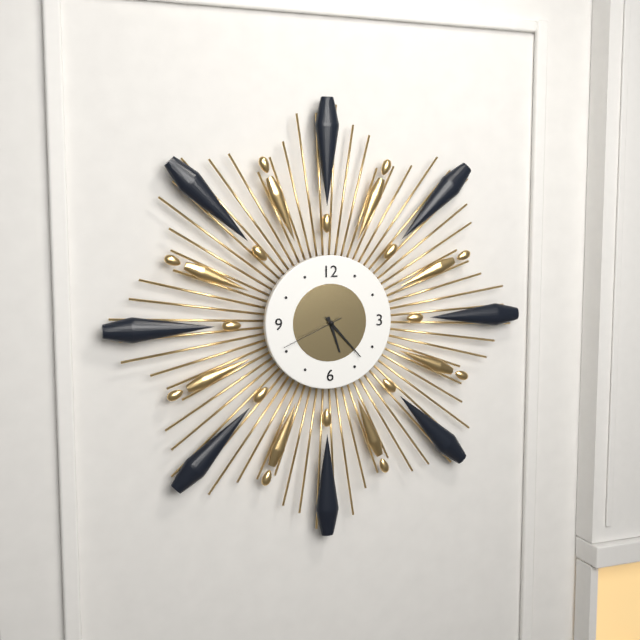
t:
5:23:41
